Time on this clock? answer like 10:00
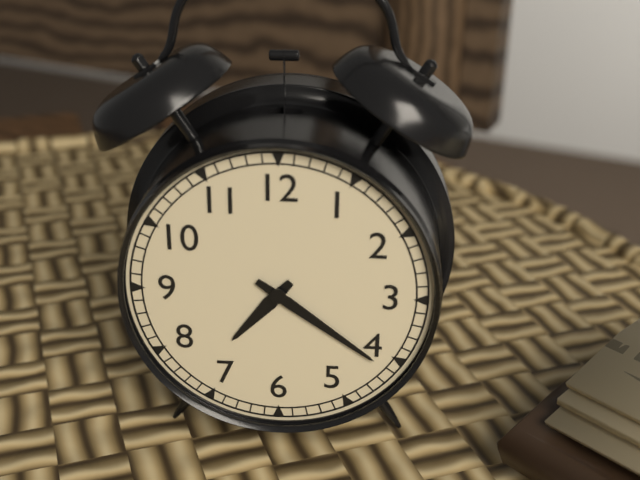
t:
7:21
